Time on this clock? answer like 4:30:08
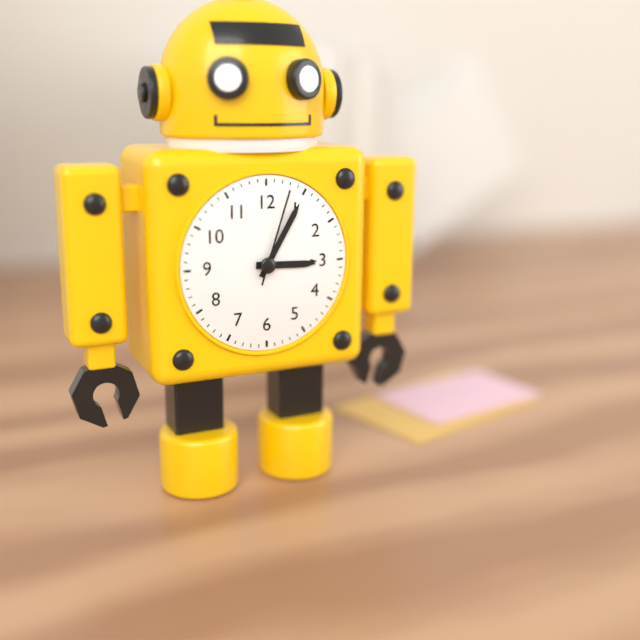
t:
3:05:03
